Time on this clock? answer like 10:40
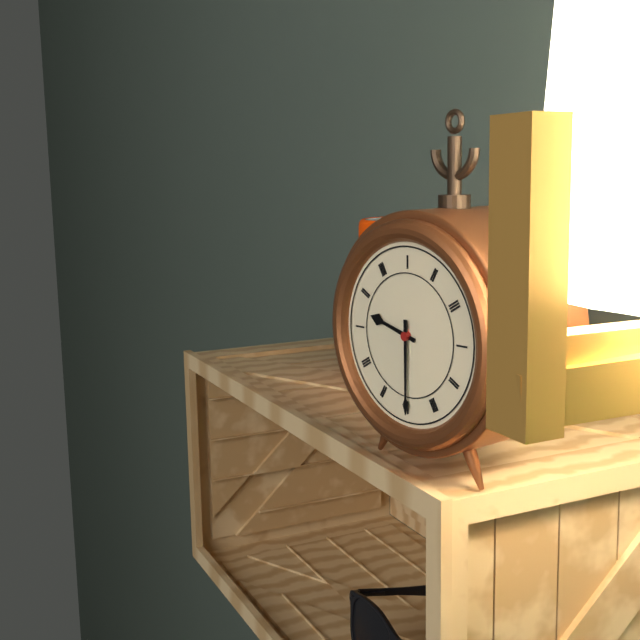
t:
9:30
